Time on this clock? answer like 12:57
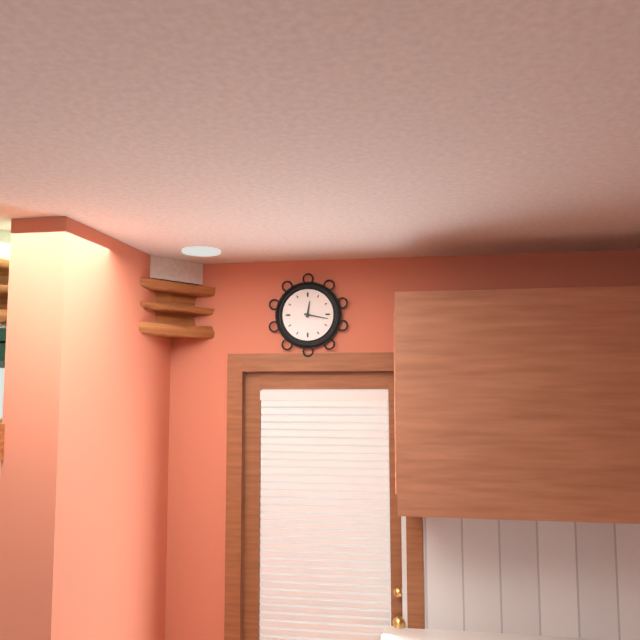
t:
12:17
